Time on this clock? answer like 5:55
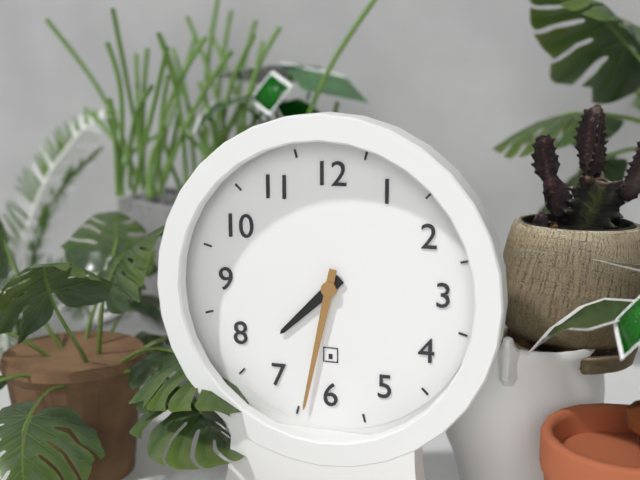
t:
7:32
